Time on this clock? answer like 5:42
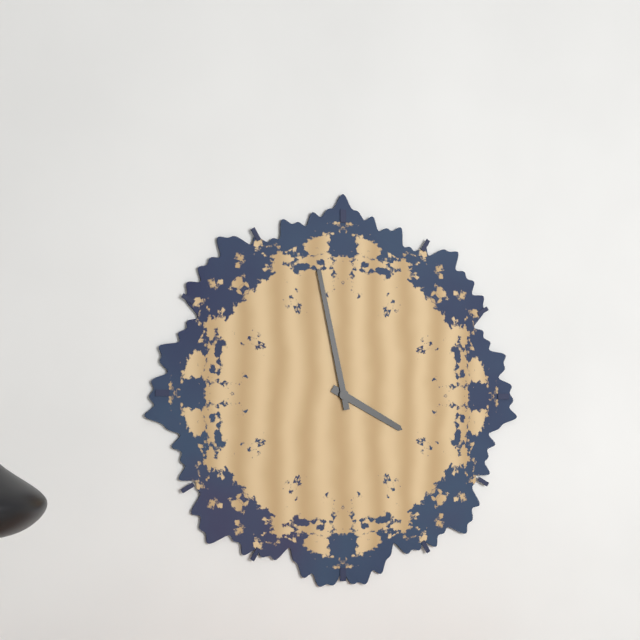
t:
3:58
